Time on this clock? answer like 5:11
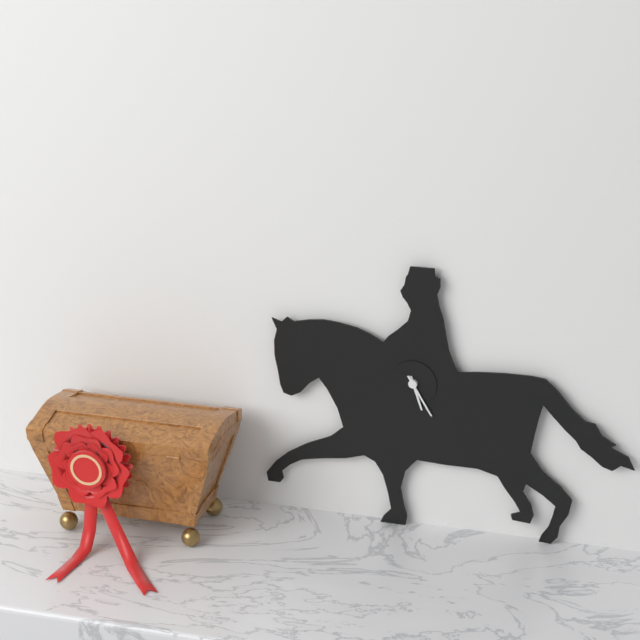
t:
5:25
